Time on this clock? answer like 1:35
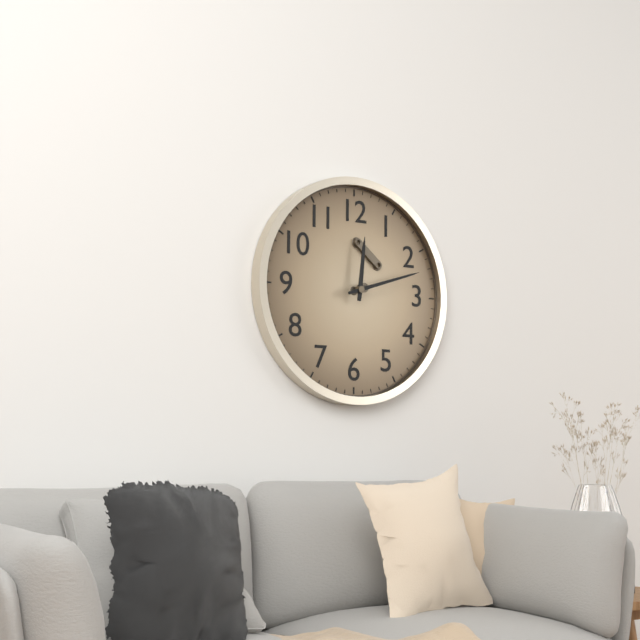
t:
12:12
